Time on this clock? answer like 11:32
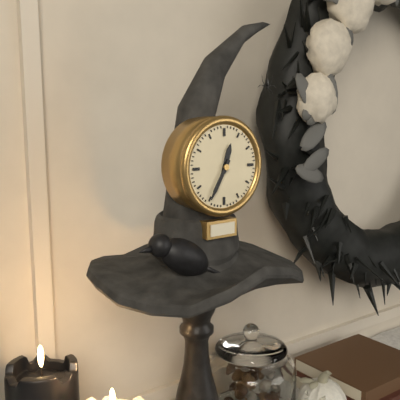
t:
12:35
